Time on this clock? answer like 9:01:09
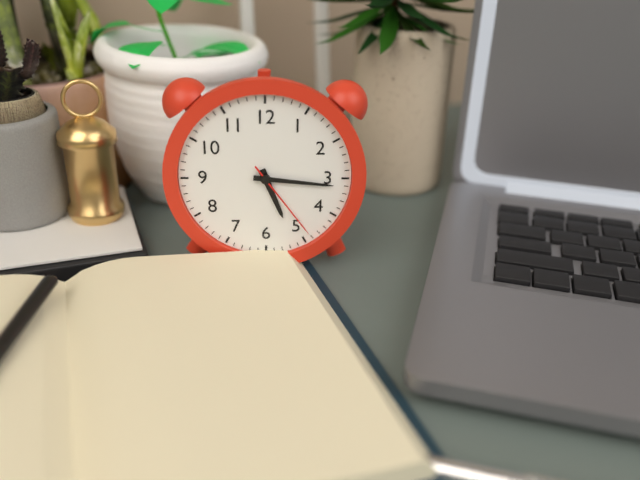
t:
5:16:24
